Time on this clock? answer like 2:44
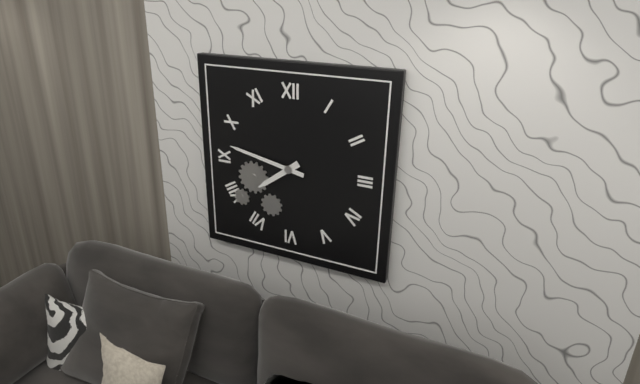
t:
7:47
